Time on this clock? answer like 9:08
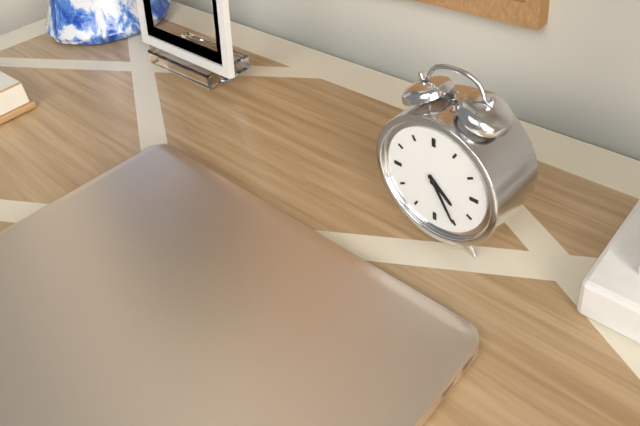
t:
4:25
